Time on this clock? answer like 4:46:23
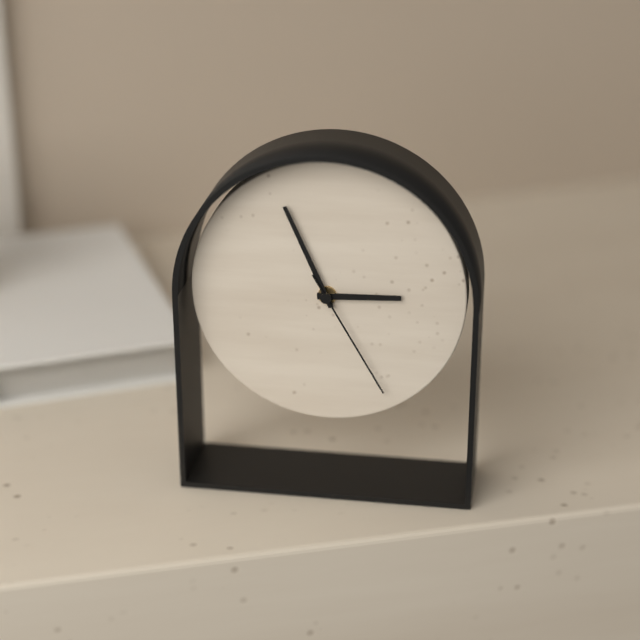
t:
2:56:25
